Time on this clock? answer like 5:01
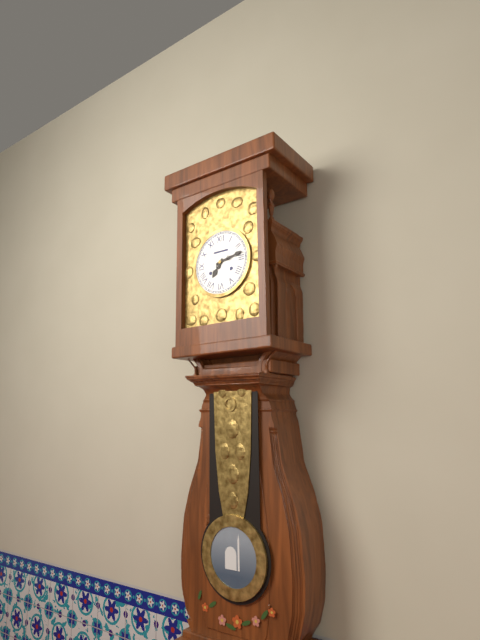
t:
7:13
